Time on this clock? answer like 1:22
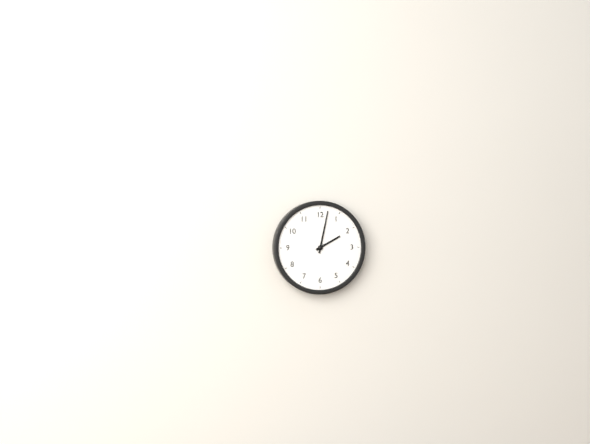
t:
2:02
